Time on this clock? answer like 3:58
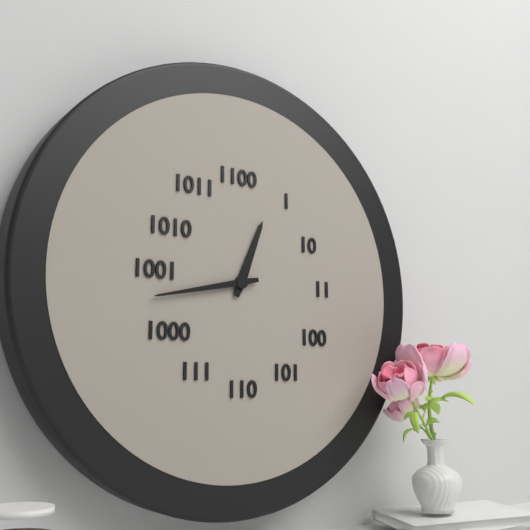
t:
12:43
